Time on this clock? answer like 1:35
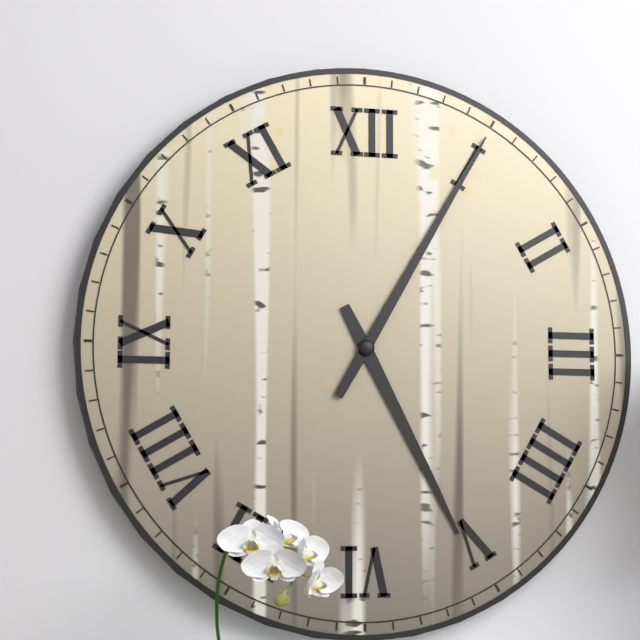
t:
5:05
